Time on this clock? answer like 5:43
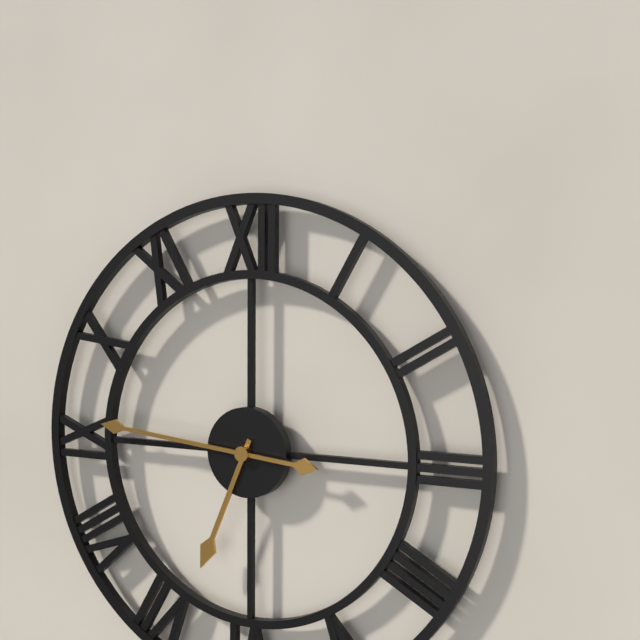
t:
6:46
